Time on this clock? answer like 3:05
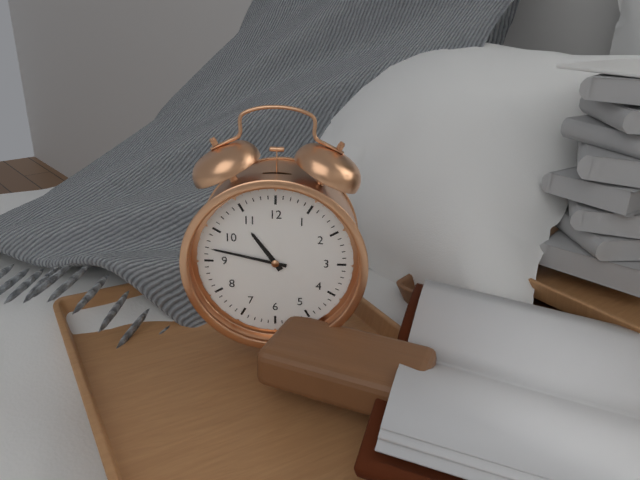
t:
10:47
